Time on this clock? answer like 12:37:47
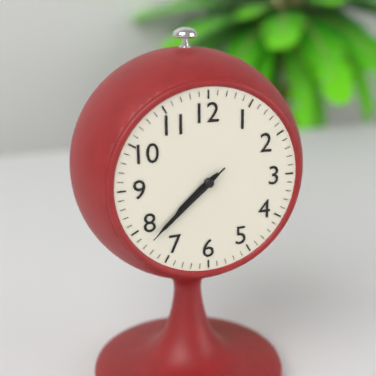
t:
7:38:38
